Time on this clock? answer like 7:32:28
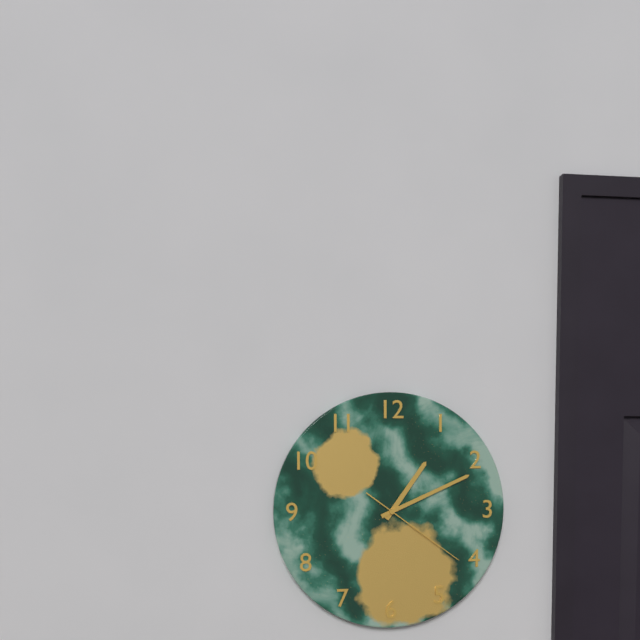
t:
1:11:21
